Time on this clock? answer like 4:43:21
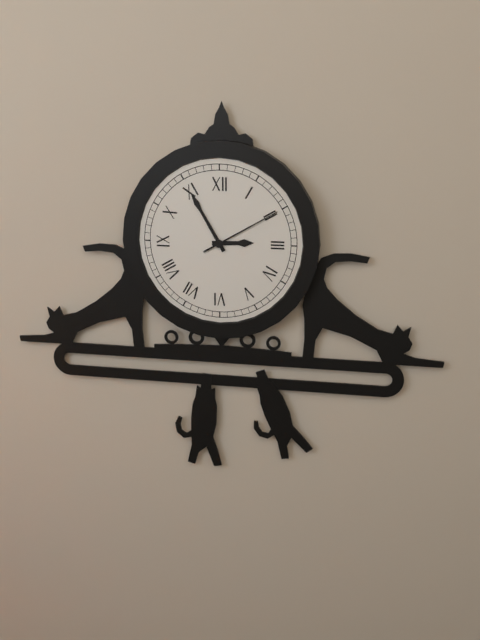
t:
2:55:10
